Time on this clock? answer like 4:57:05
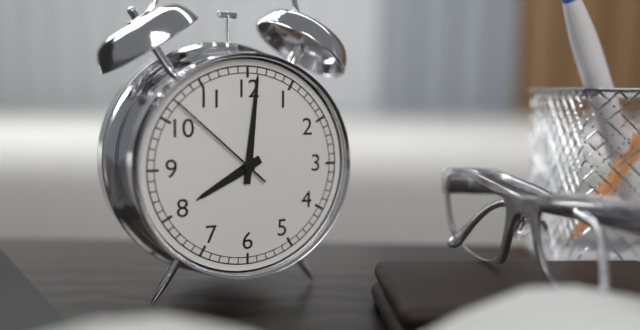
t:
8:01:52
